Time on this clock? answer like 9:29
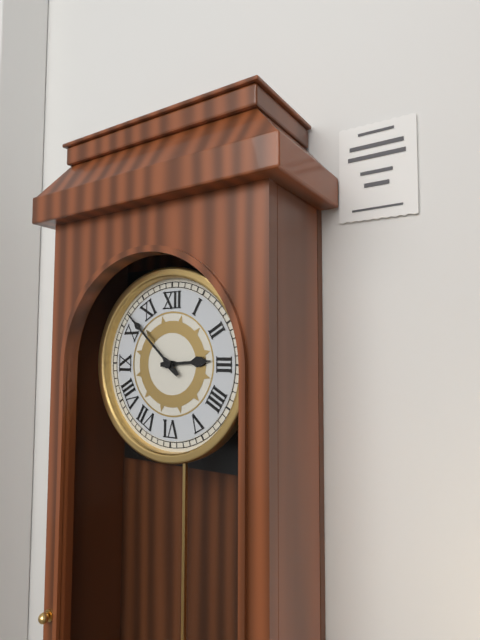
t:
2:52
